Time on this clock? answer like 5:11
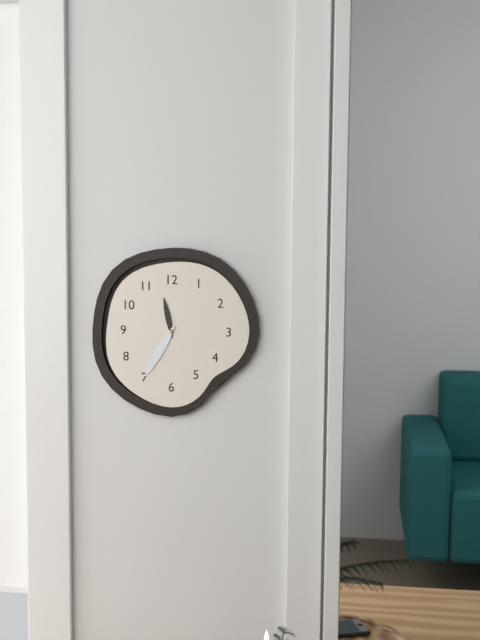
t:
11:35
